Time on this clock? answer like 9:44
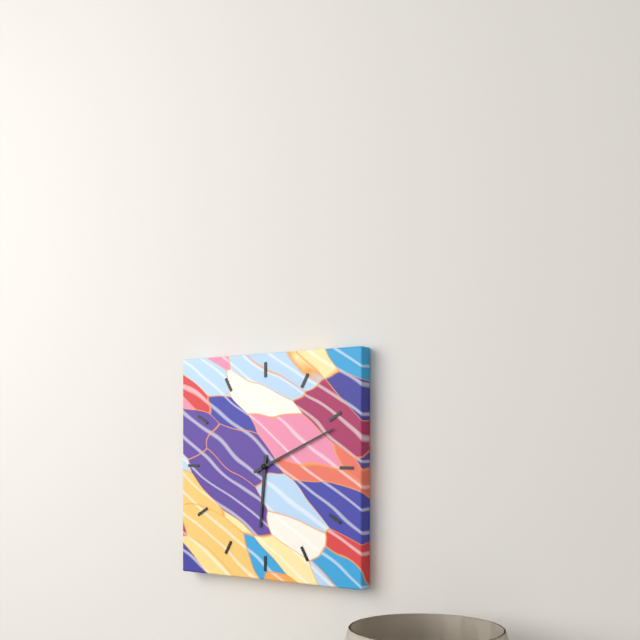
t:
6:11
